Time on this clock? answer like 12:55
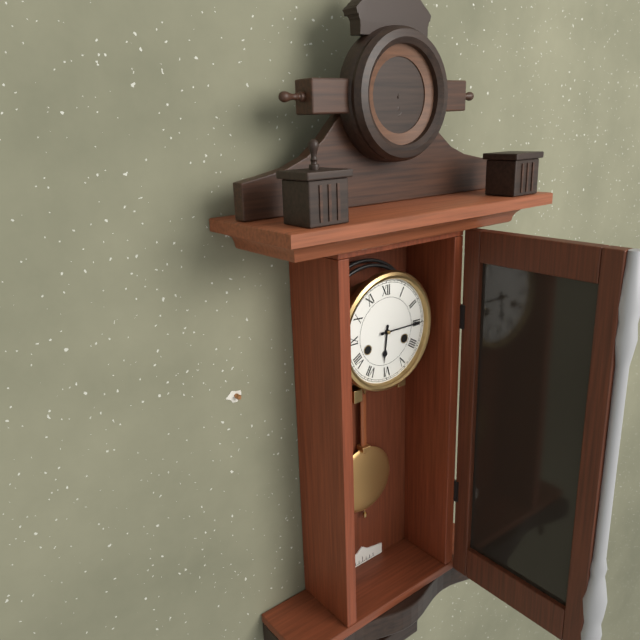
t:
6:15
